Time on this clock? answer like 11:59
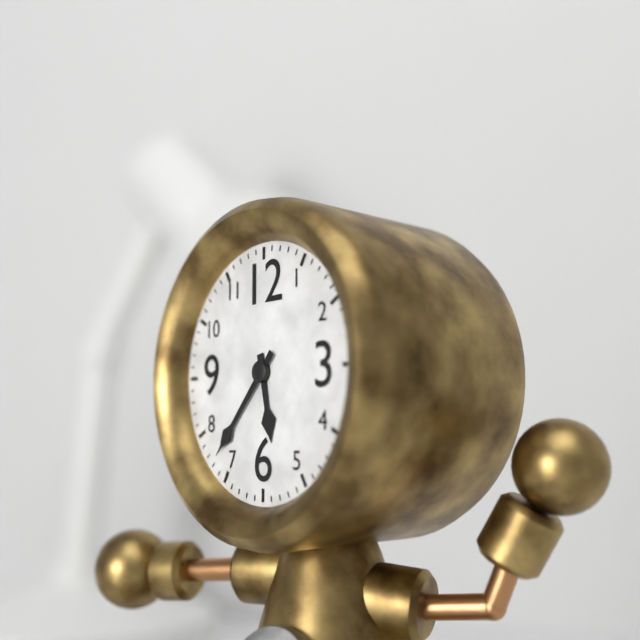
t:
5:37
